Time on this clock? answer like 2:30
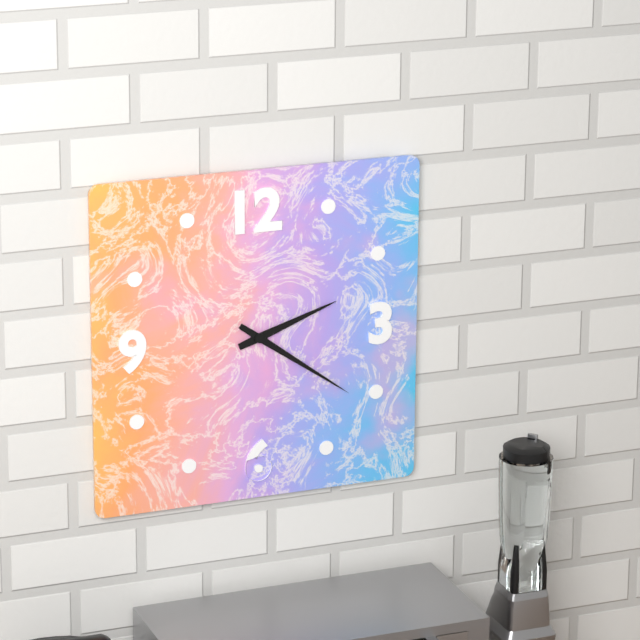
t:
2:21
